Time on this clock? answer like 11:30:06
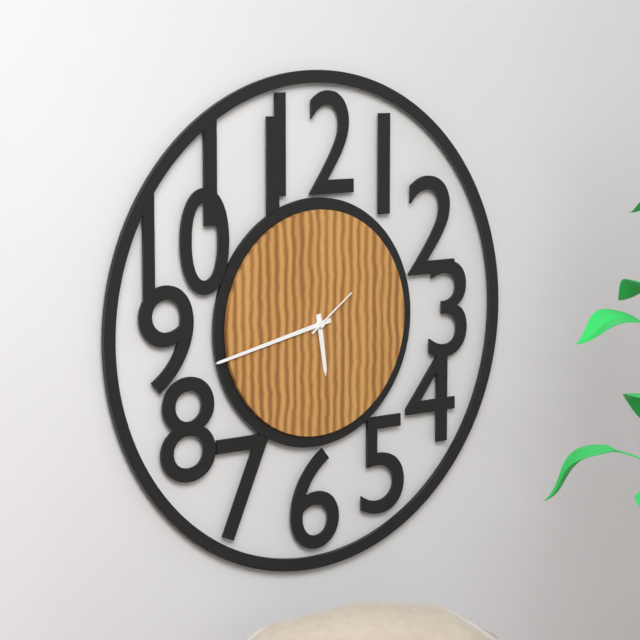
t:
5:43:09
